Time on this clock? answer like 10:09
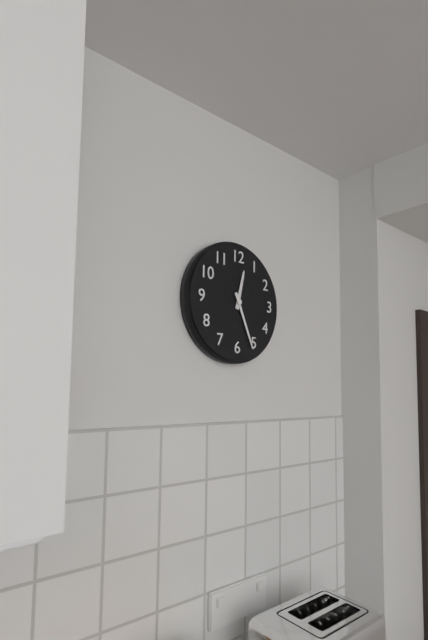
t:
12:26
